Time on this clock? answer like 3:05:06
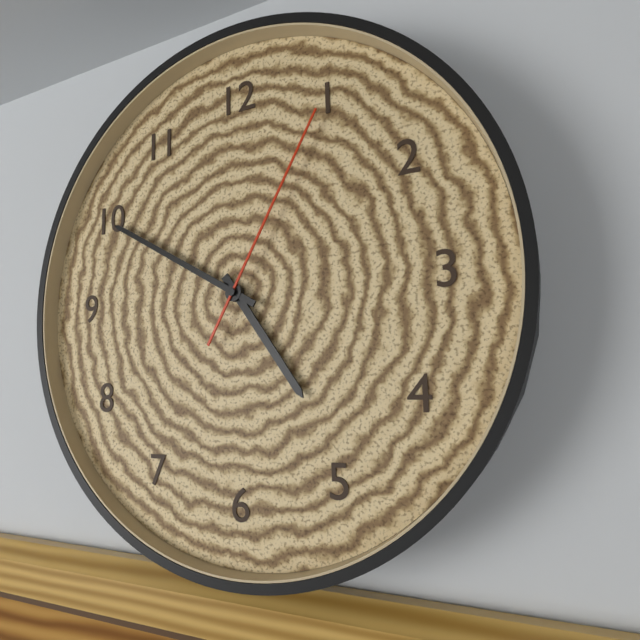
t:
4:50:05
